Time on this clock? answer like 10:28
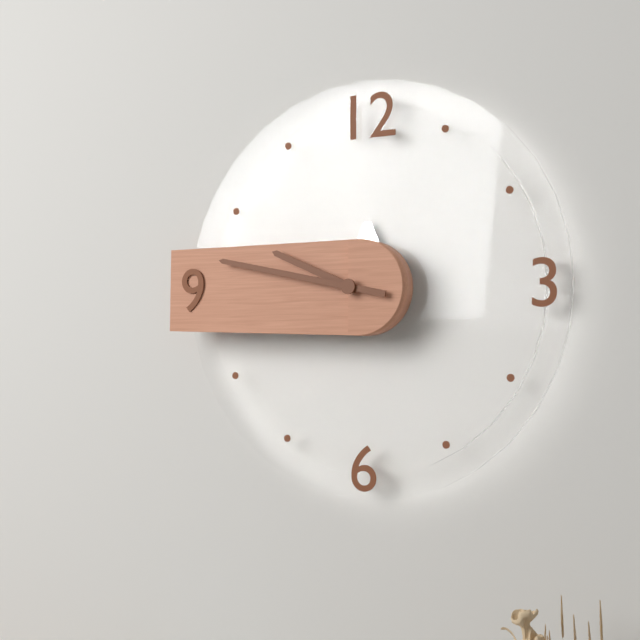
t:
9:47
